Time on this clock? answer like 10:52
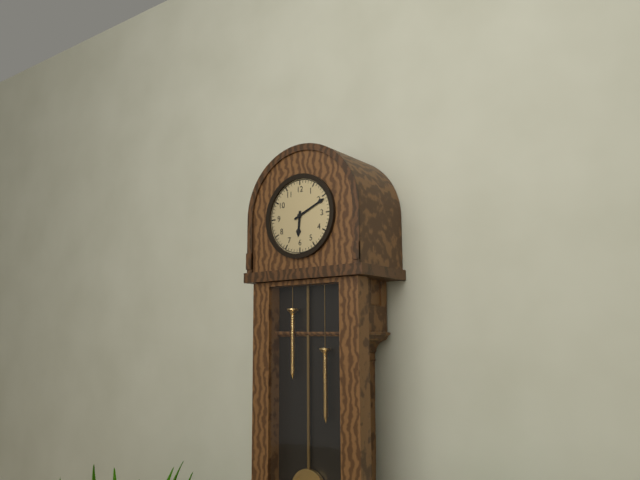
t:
6:11
